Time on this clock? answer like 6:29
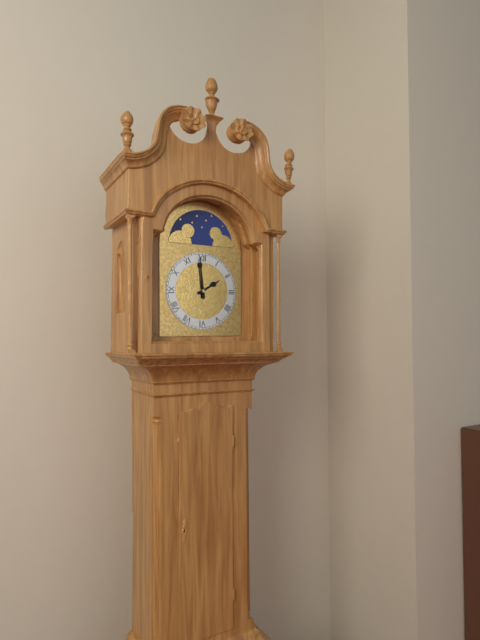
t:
1:59
